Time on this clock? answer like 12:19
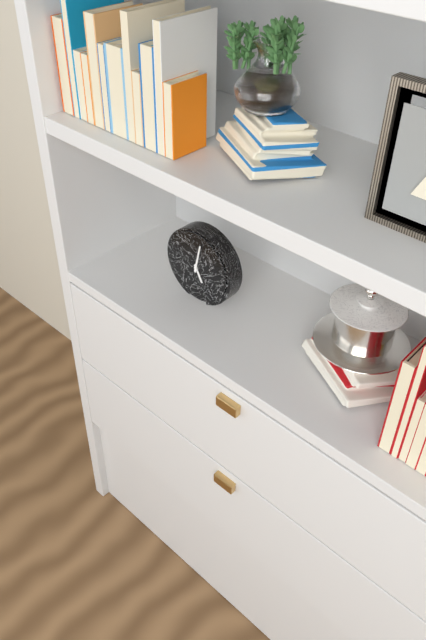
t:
5:02
